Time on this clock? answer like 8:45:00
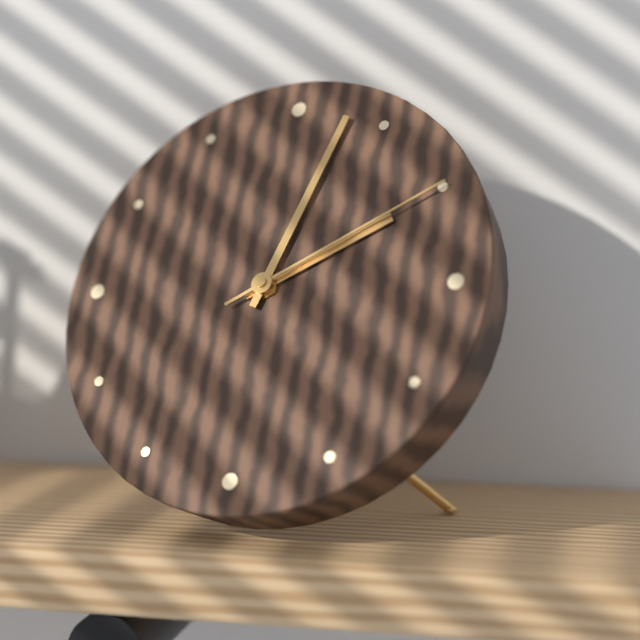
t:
2:03:10
